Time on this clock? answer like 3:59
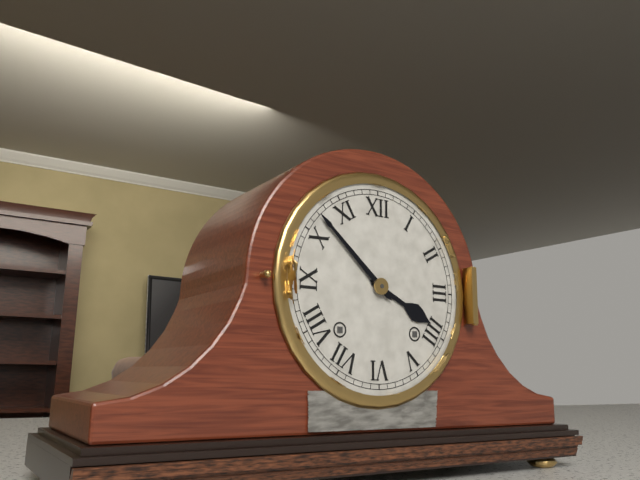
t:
3:52
